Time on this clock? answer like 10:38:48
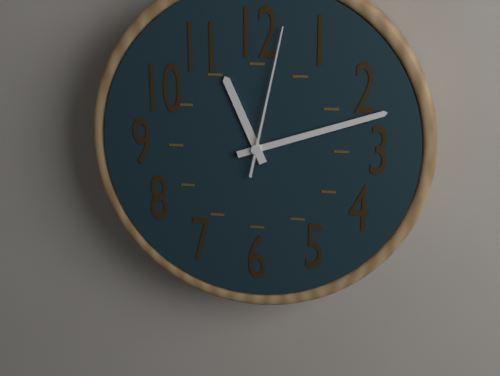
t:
11:12:02
